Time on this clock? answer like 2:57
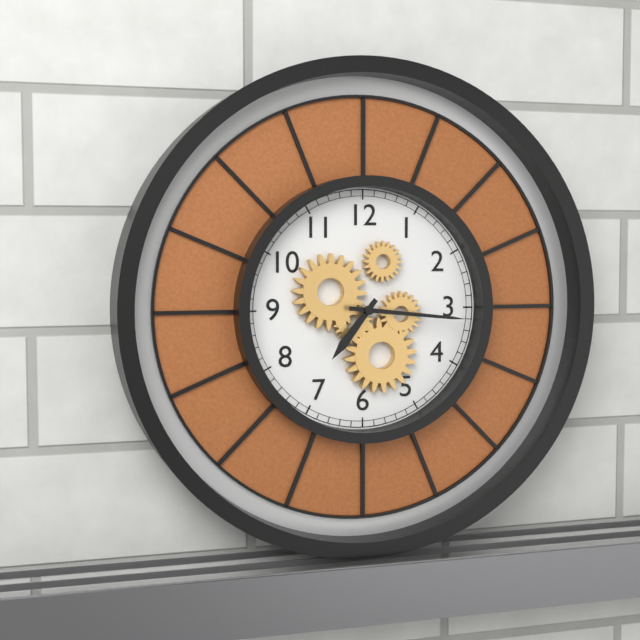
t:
7:16
